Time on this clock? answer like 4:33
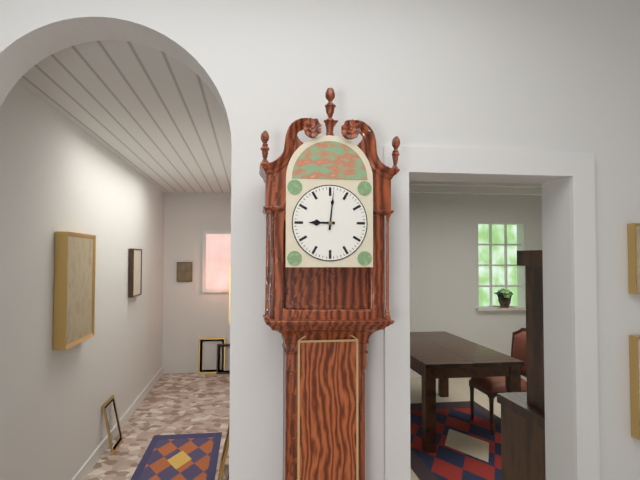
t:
9:01
